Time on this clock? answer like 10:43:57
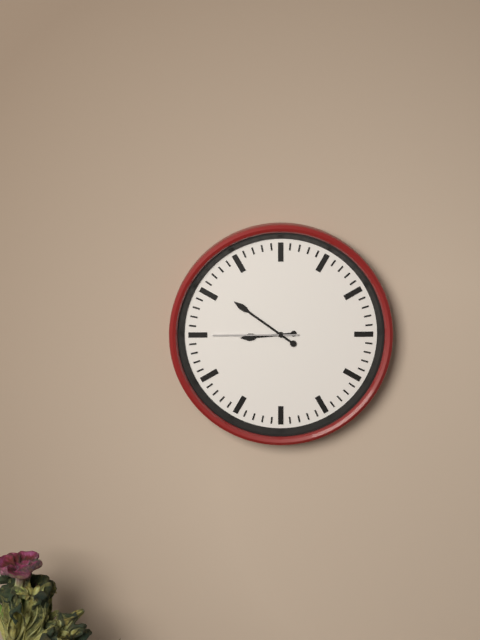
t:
8:51:45
